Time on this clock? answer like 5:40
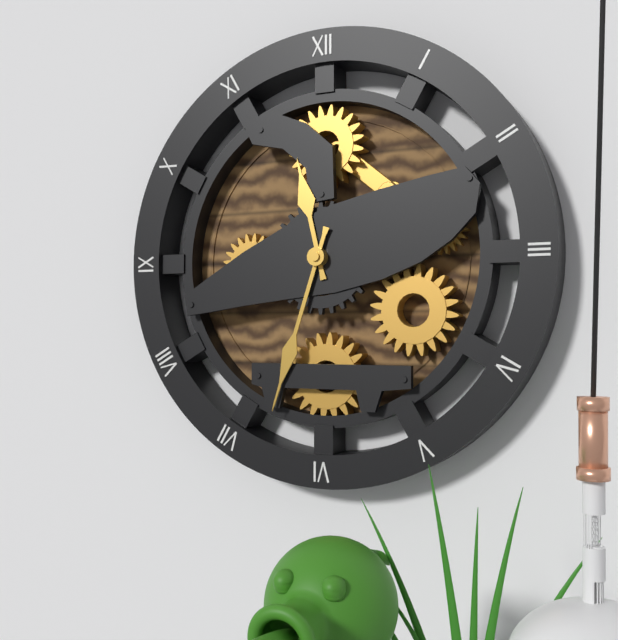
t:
11:33
